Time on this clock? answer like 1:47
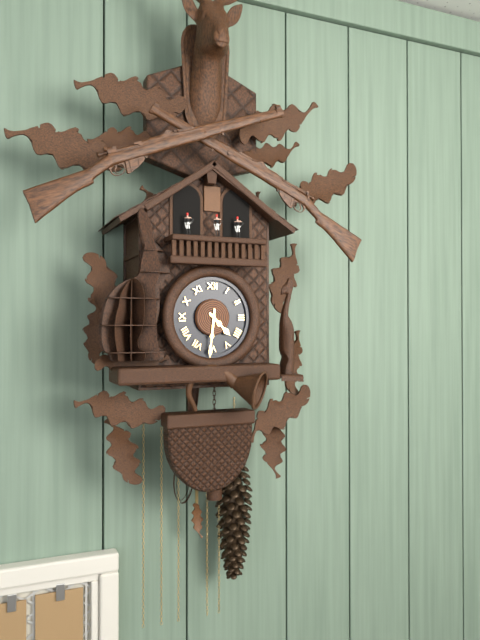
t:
4:31
